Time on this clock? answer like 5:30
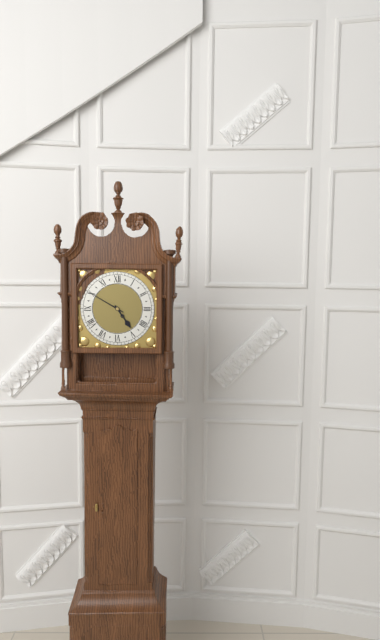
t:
4:50
